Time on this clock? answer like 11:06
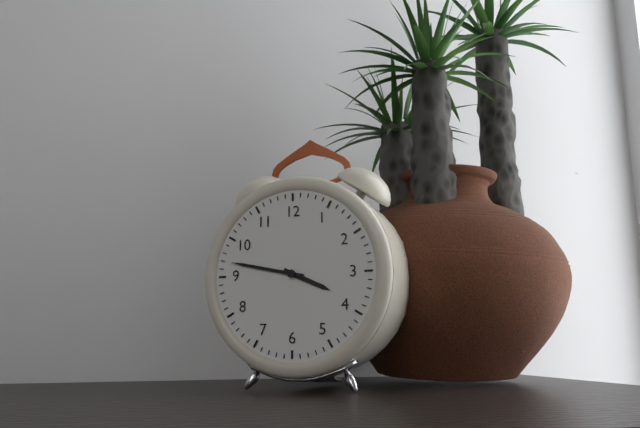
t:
3:47
